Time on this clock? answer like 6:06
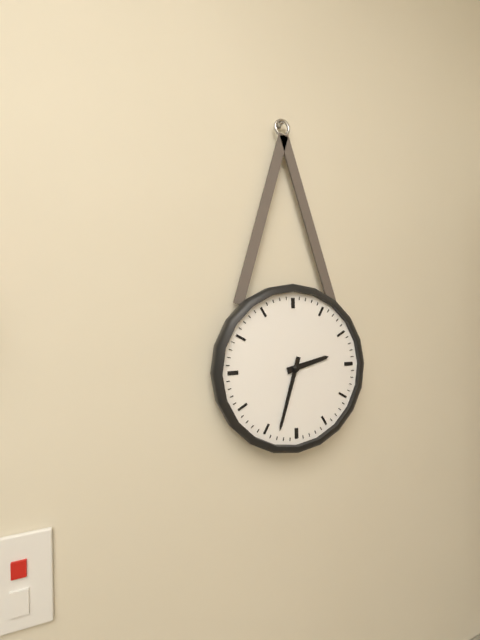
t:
2:33
